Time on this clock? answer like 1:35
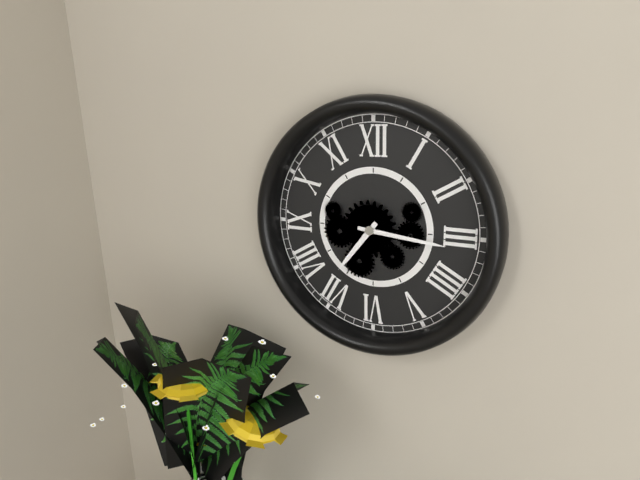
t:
7:16
